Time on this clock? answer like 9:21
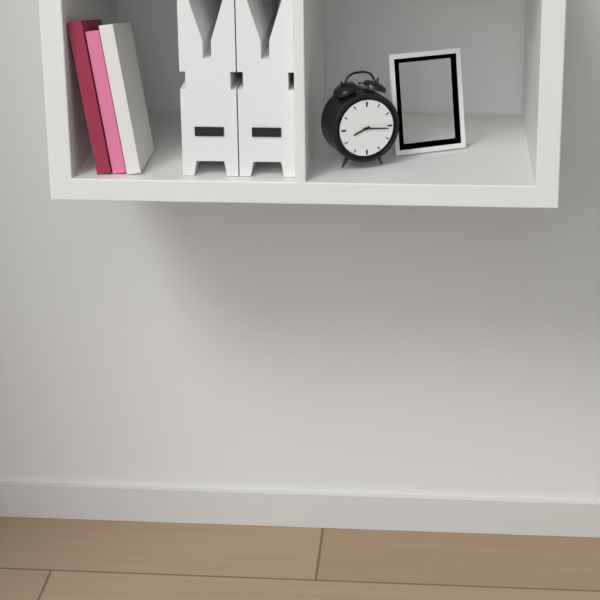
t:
8:16
